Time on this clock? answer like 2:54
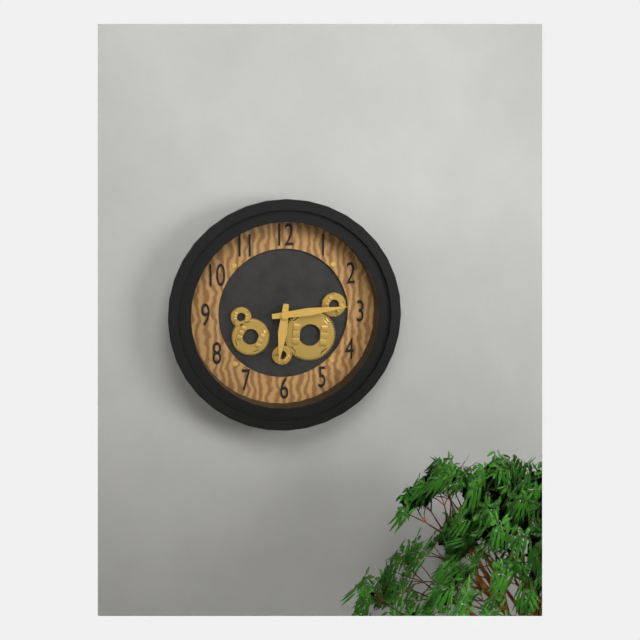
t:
6:14
